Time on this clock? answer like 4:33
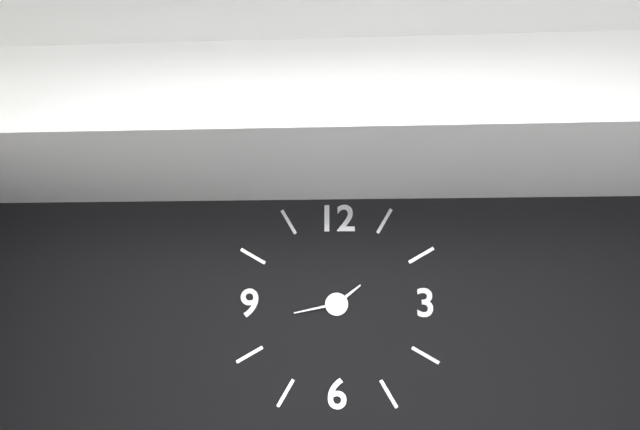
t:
1:43
